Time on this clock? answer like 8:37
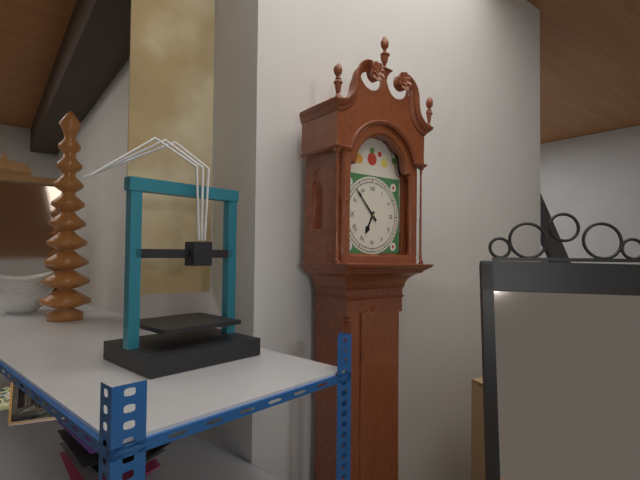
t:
6:53
